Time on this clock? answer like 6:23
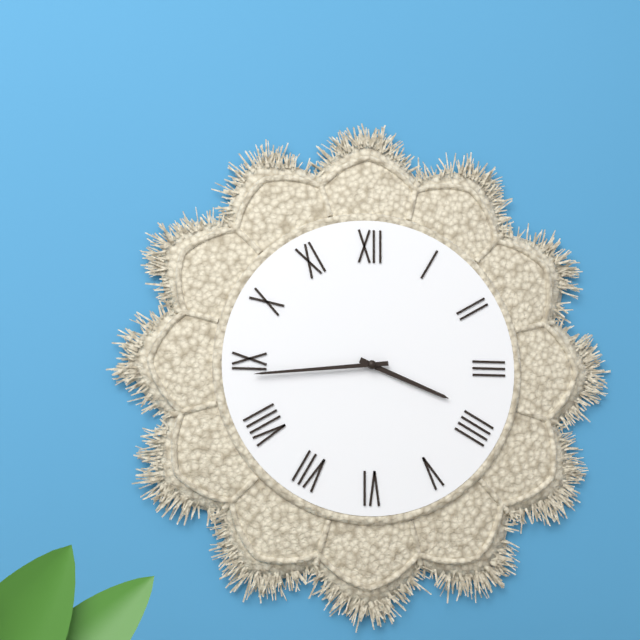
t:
3:44
